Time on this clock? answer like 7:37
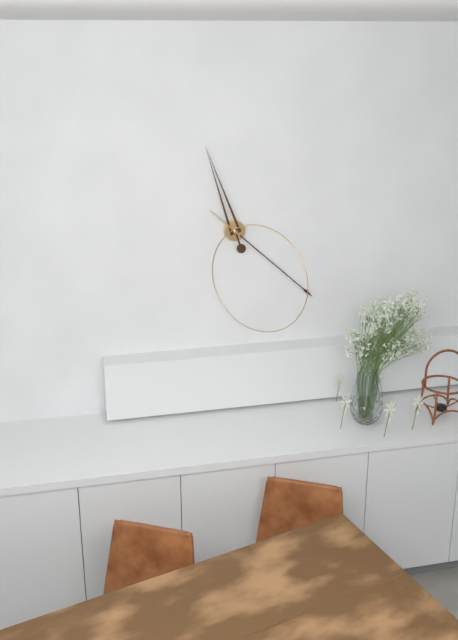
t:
11:22
